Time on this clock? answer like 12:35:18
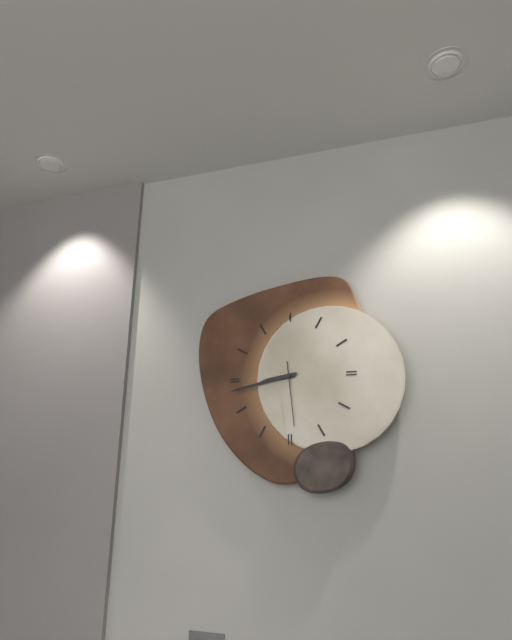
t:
8:43:29
